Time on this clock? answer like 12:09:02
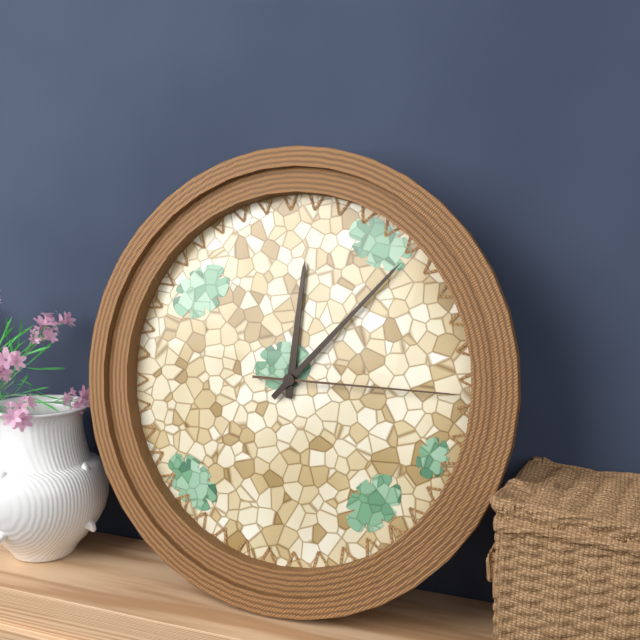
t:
12:07:15
